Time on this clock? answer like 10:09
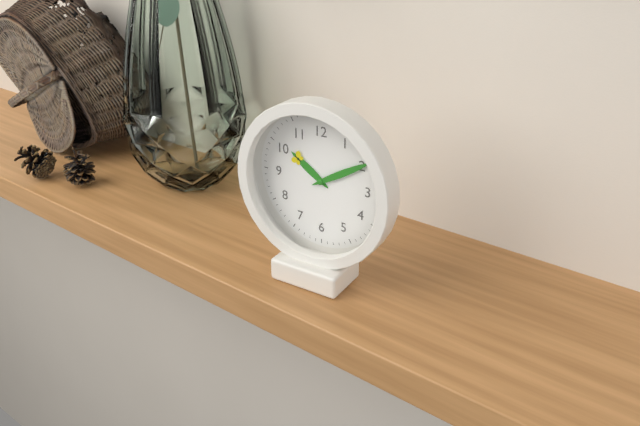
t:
10:10
